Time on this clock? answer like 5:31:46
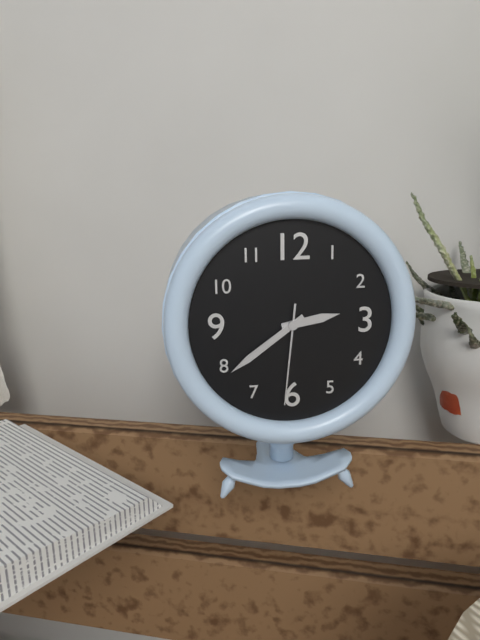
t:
2:39:31
